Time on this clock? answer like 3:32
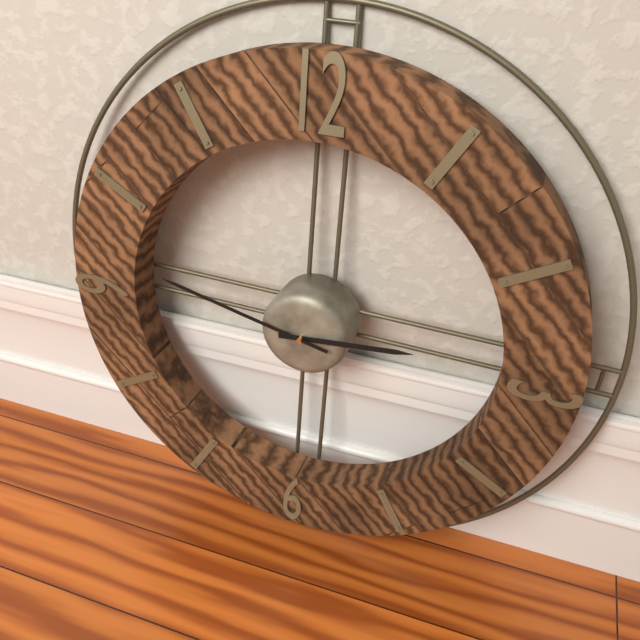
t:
2:47
